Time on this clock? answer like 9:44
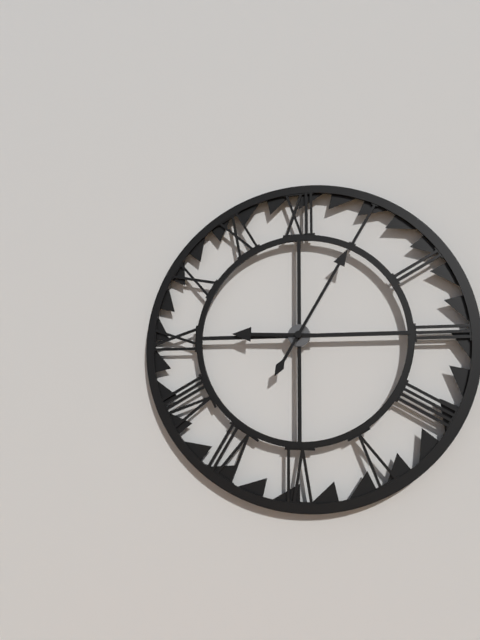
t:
9:05
